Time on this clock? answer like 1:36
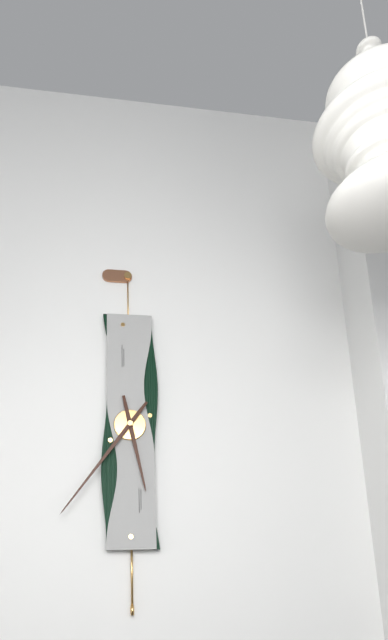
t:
5:36
